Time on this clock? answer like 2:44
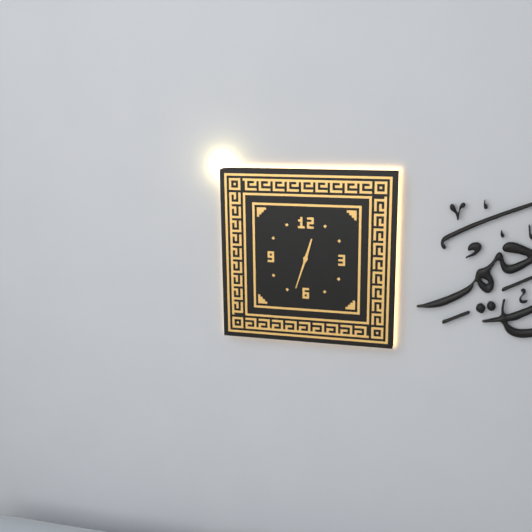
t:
12:33
